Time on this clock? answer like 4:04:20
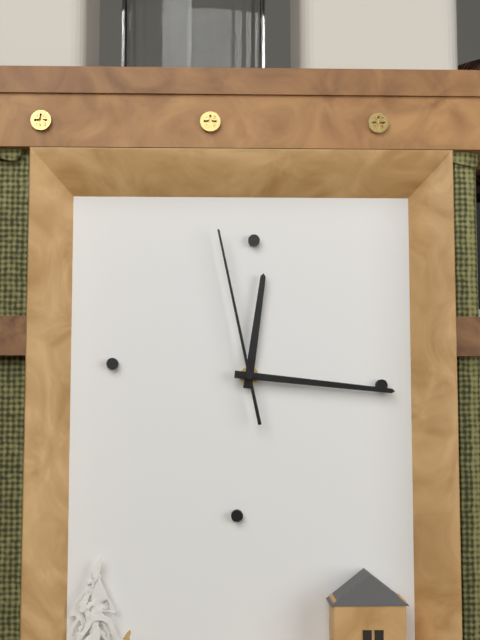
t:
12:16:58
